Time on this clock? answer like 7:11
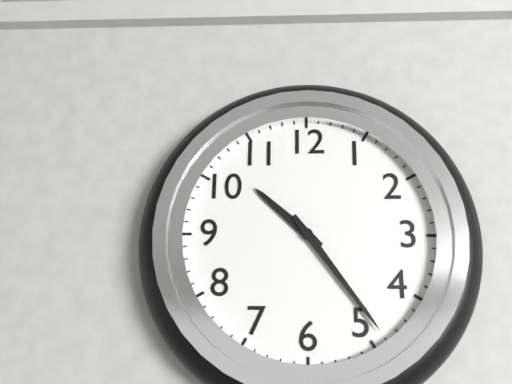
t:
10:24
